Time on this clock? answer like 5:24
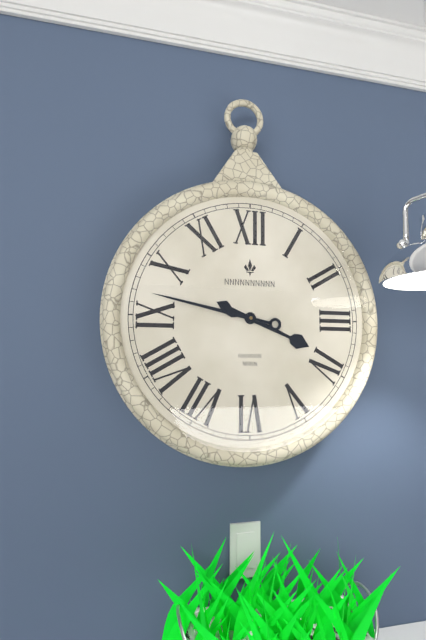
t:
3:47
